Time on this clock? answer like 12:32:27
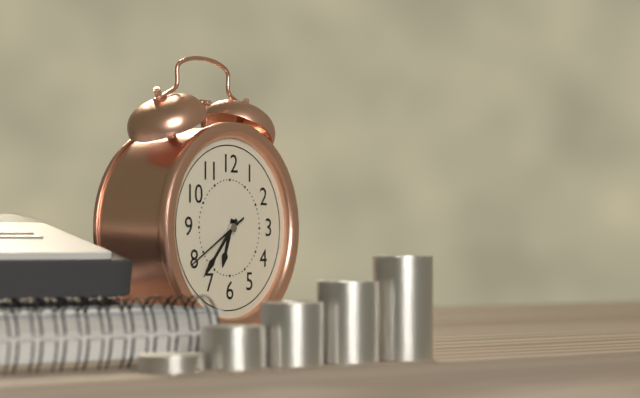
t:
6:37:40
